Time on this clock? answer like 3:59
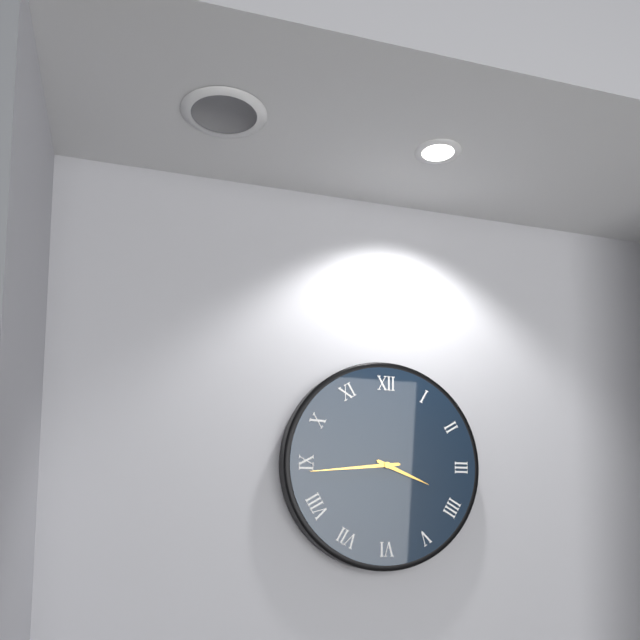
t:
3:44
